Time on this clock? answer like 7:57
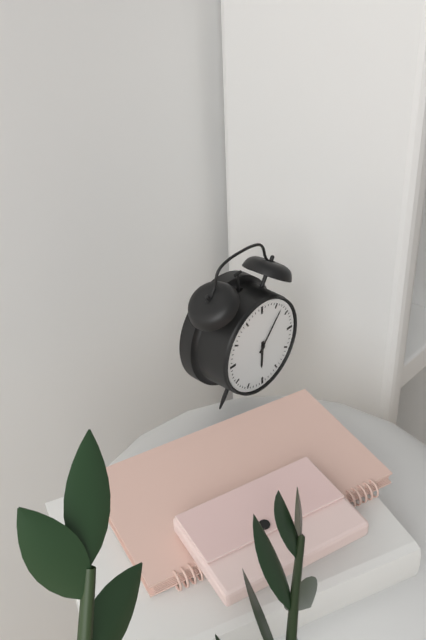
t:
6:07
